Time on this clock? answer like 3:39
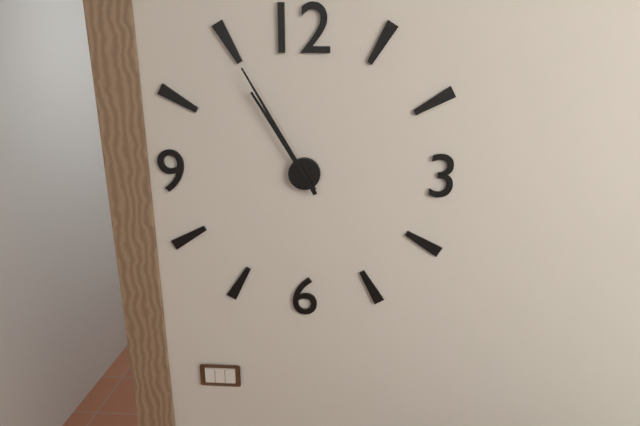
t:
10:55
